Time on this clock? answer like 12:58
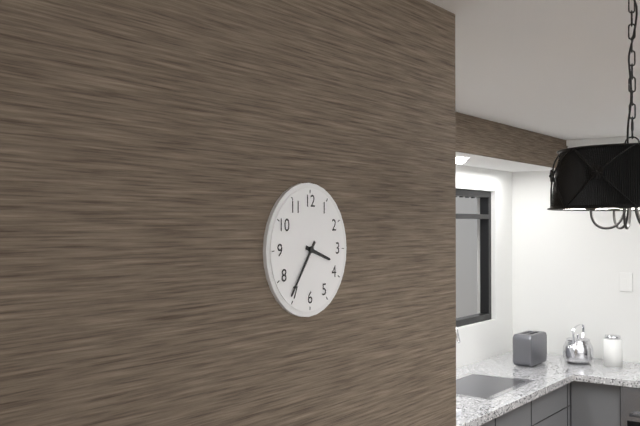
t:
3:36
